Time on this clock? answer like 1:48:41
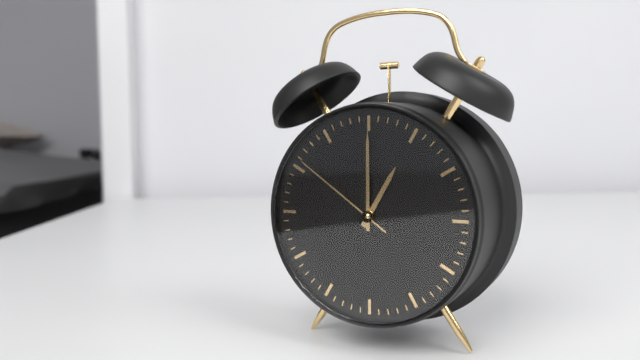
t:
1:00:51
